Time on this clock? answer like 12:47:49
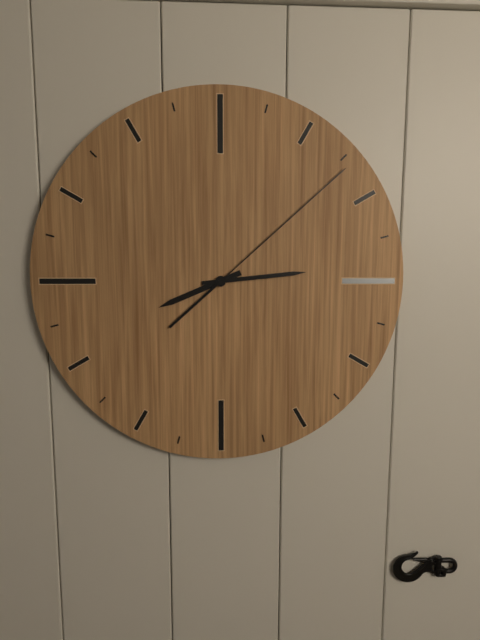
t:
8:14:08
